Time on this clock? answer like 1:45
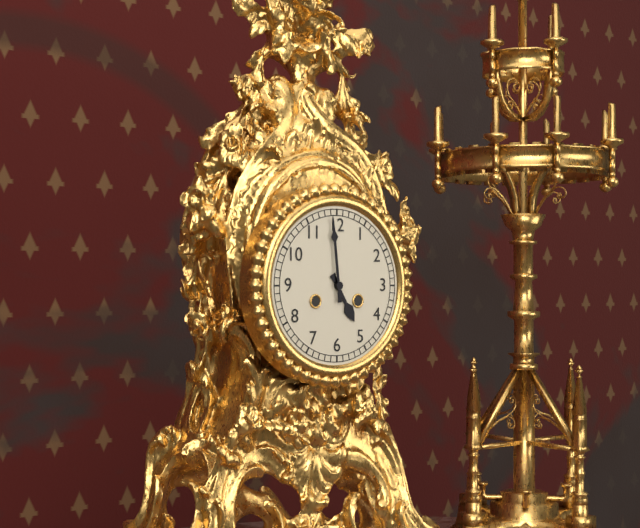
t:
4:59
